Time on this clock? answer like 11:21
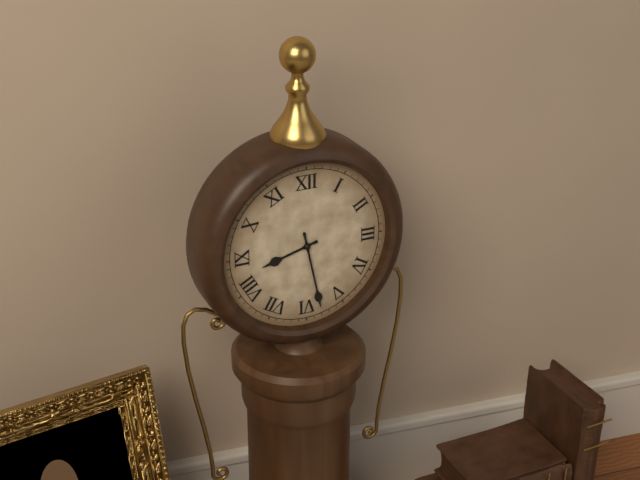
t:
8:28
